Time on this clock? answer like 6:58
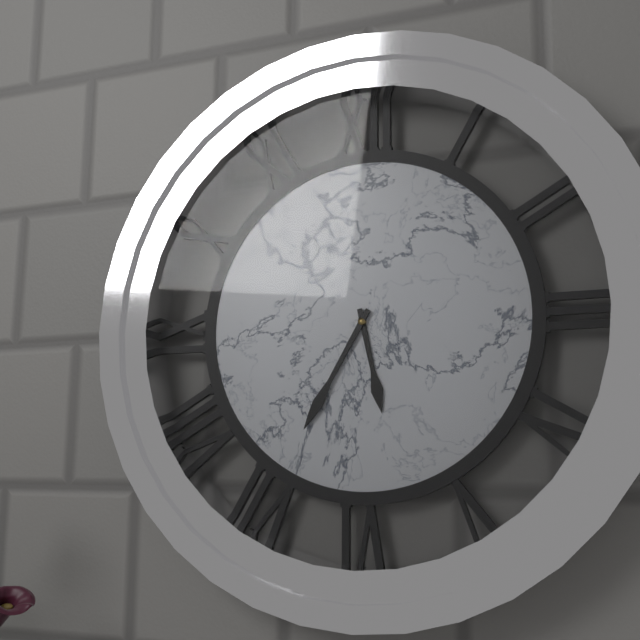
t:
5:35
